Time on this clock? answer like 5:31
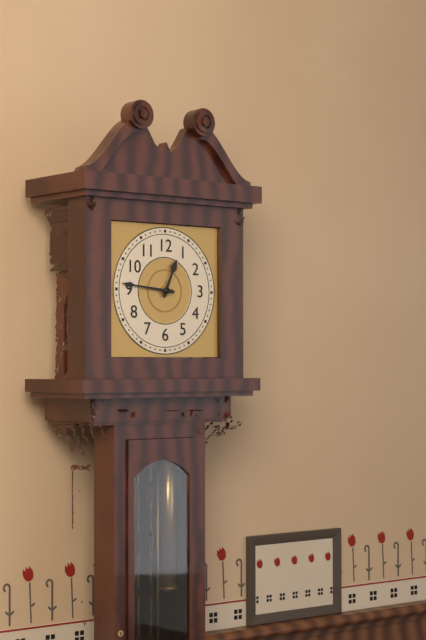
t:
12:46
